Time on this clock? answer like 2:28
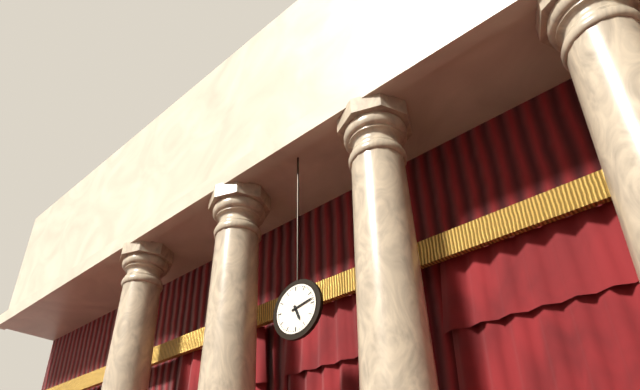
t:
5:13
